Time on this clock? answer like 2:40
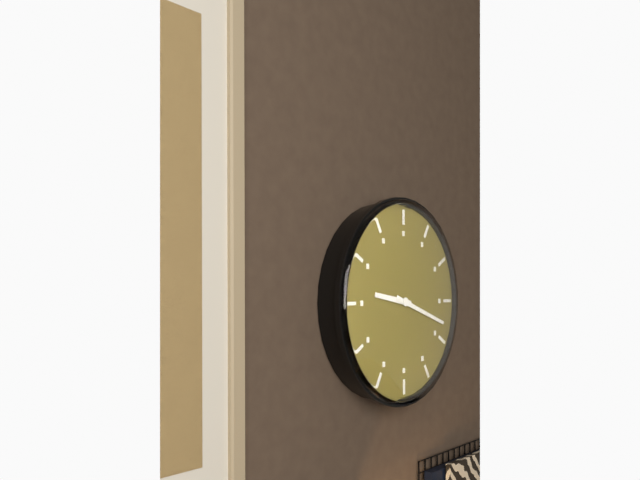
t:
9:18
